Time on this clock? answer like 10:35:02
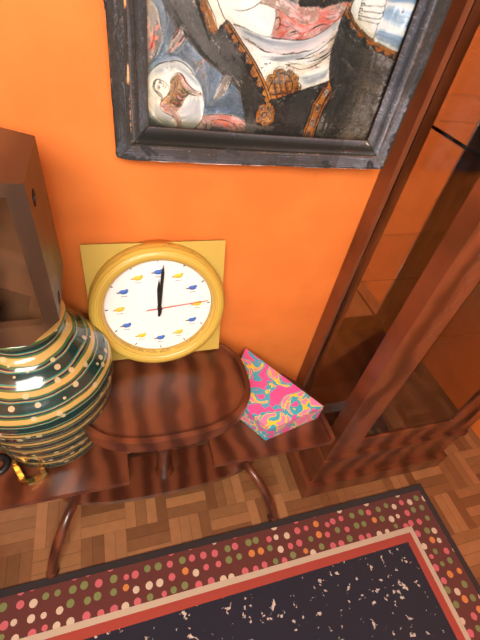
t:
12:01:14
